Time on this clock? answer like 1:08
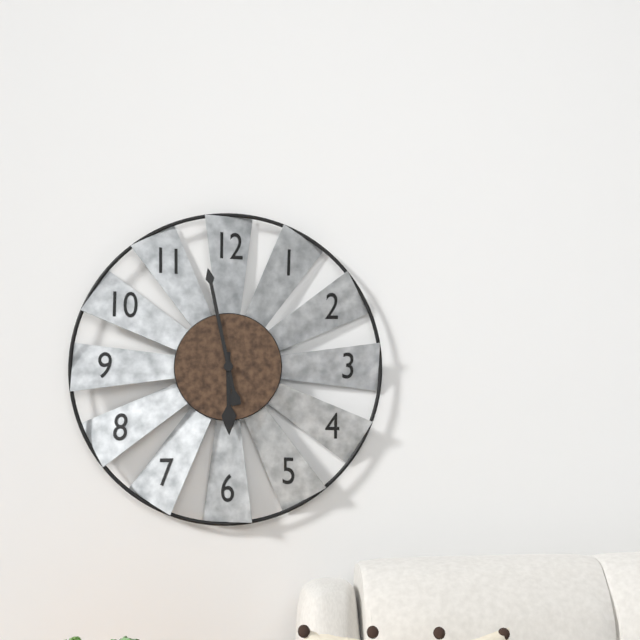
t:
5:58
